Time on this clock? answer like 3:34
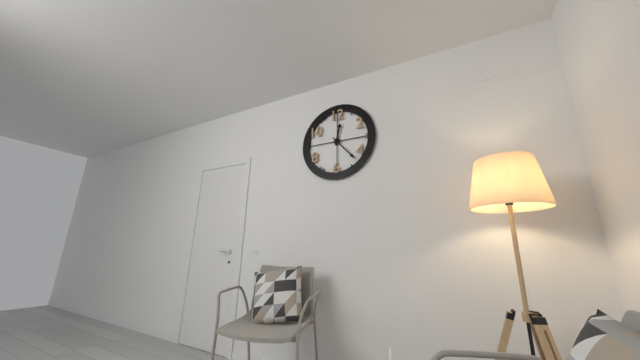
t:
12:23
